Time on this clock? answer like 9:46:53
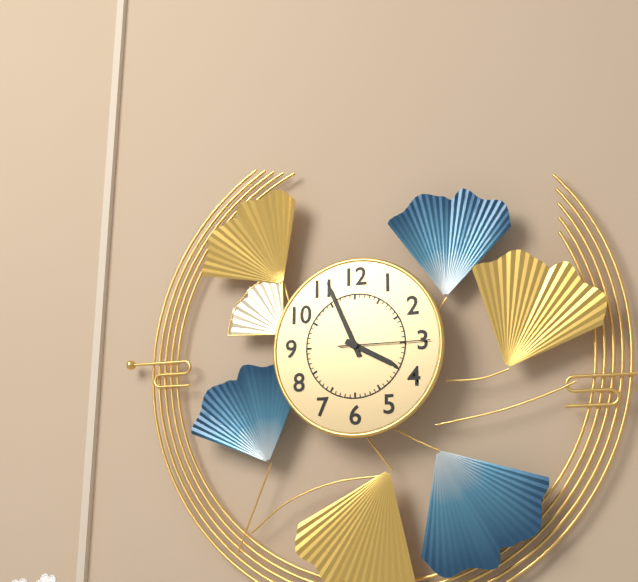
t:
3:56:15
